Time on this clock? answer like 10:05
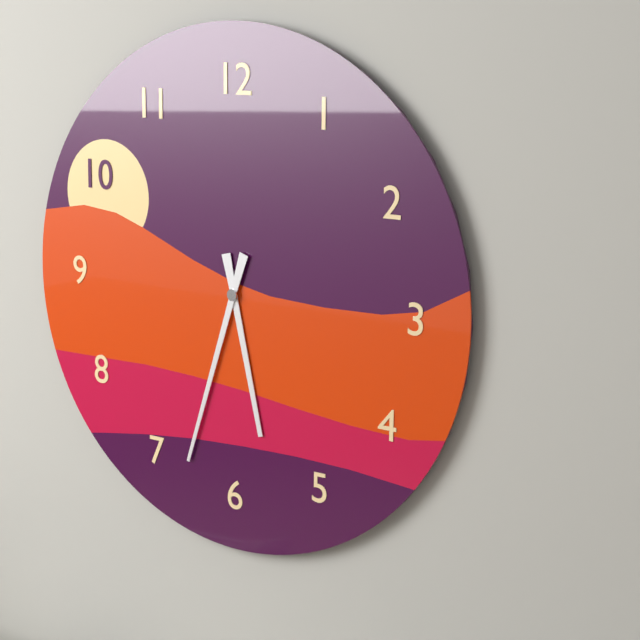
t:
5:33
